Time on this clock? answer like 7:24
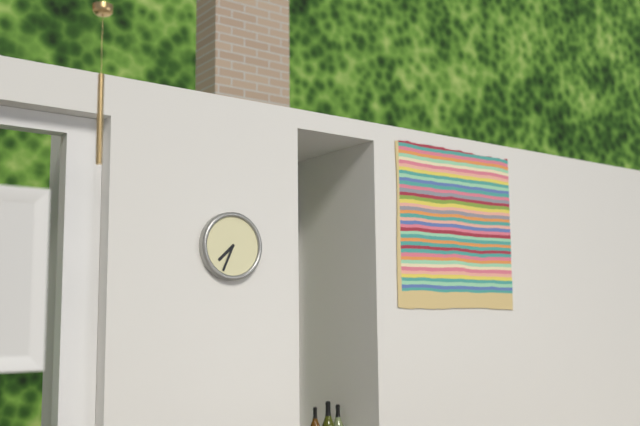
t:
7:34
